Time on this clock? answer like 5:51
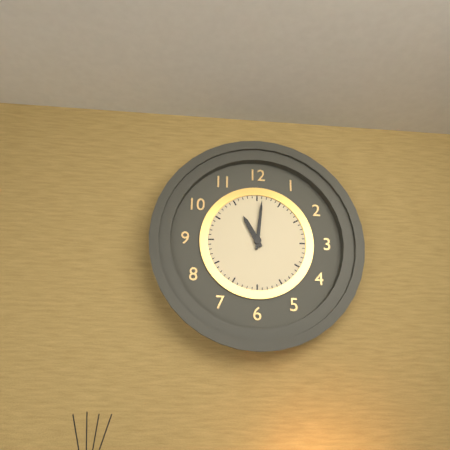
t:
11:01
